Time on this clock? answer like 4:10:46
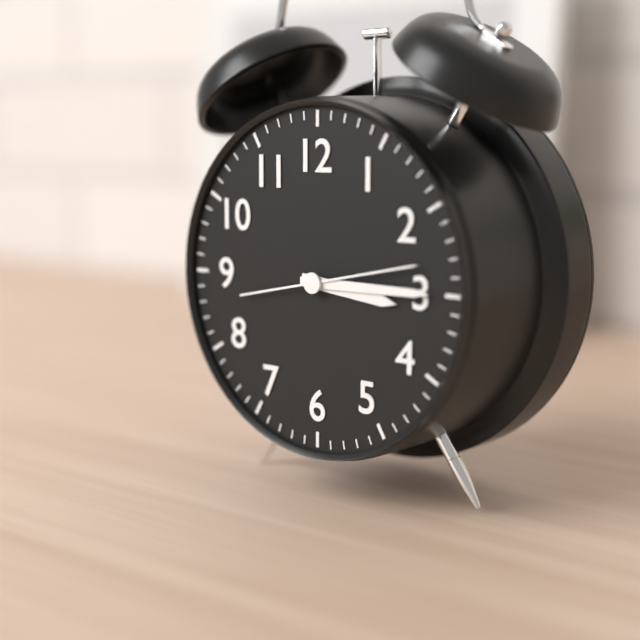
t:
3:15:13
